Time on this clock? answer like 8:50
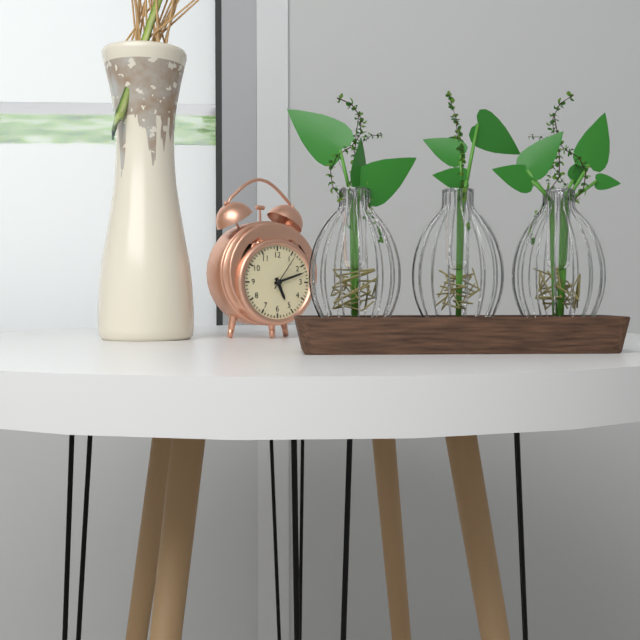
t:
5:12
